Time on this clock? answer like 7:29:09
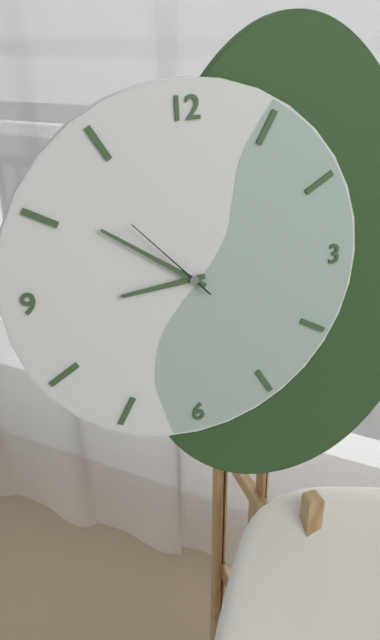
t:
8:51:53
